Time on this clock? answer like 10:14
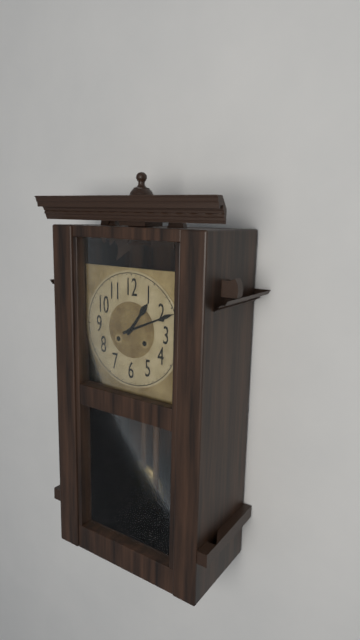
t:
1:11
